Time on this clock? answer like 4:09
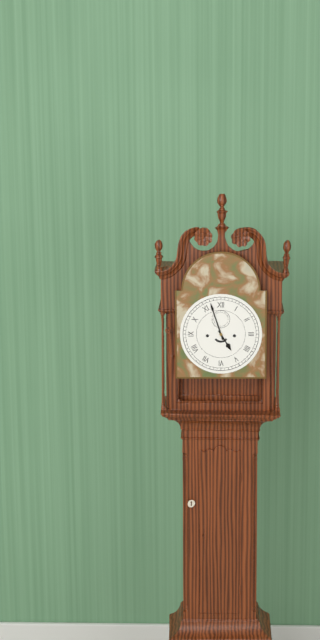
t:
4:57
